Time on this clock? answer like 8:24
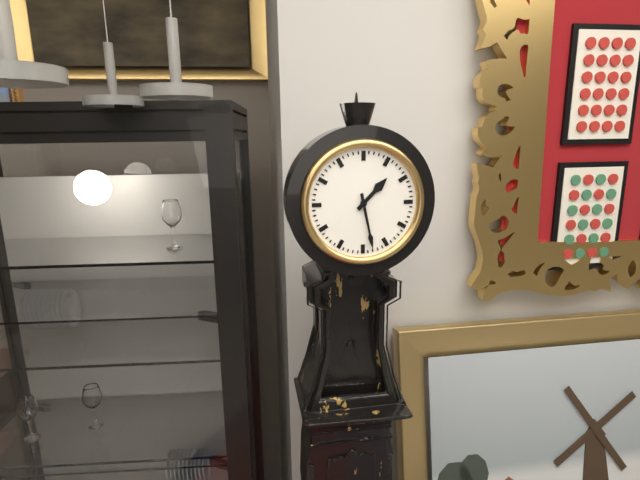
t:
1:28
